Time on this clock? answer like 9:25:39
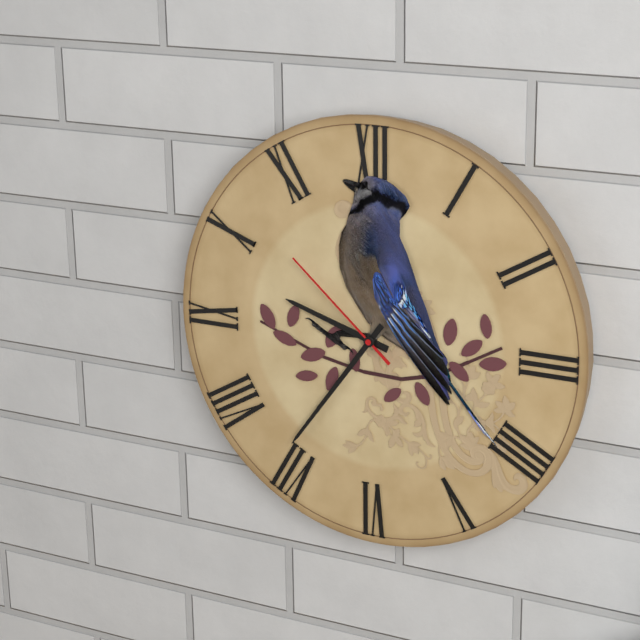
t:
9:36:52
